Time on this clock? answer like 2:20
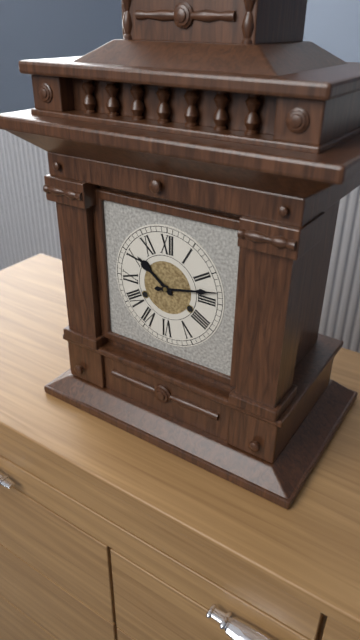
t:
10:13
